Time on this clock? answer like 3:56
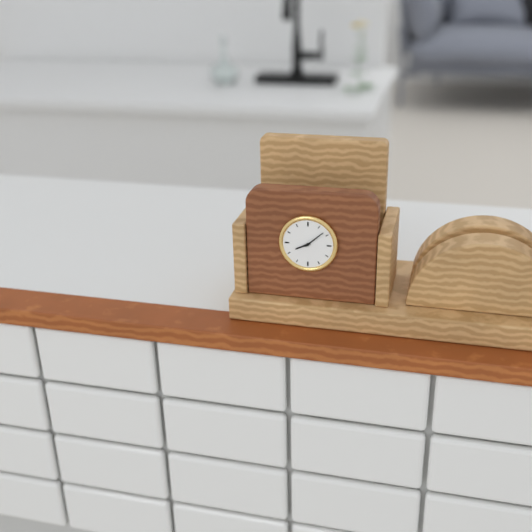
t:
8:08
